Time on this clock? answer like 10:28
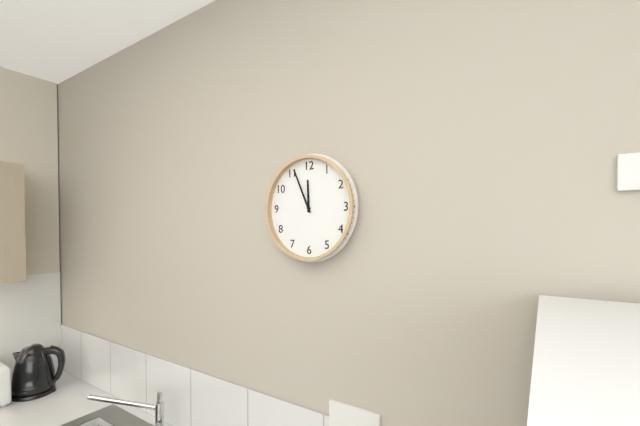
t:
11:56
